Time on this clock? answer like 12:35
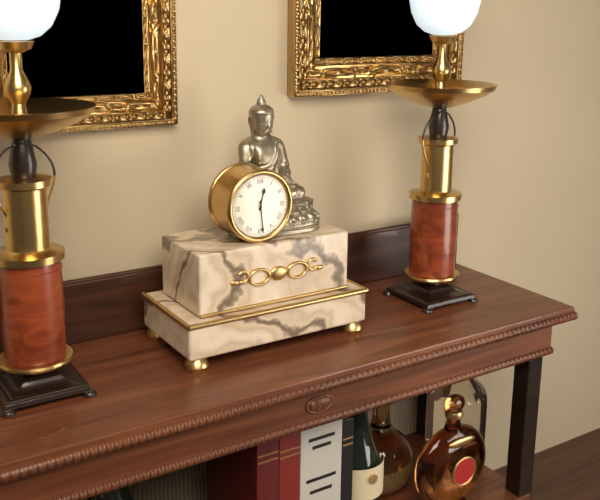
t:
12:29
